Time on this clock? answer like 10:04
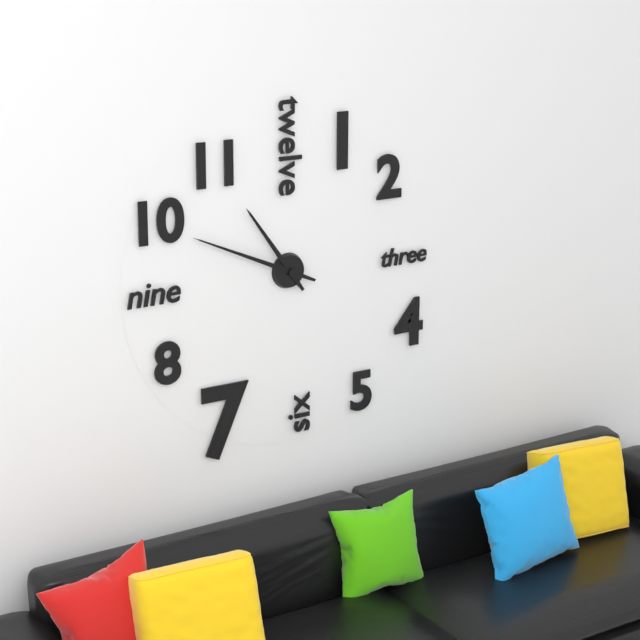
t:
10:49
